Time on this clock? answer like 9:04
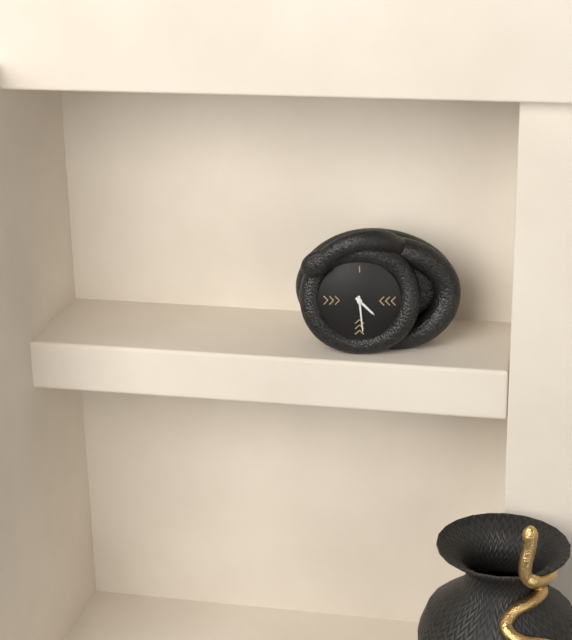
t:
4:29
